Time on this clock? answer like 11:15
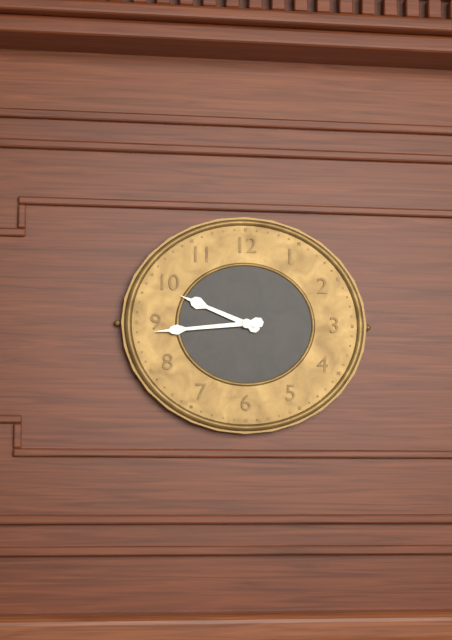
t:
9:44
